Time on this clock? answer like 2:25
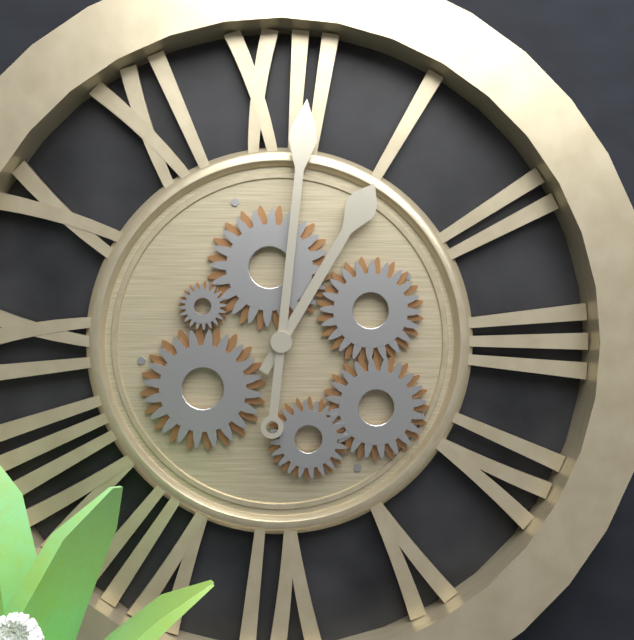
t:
1:01
